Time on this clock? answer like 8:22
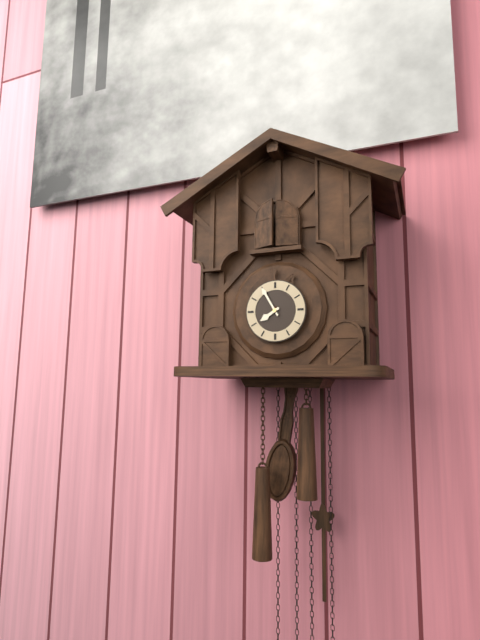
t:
7:55
